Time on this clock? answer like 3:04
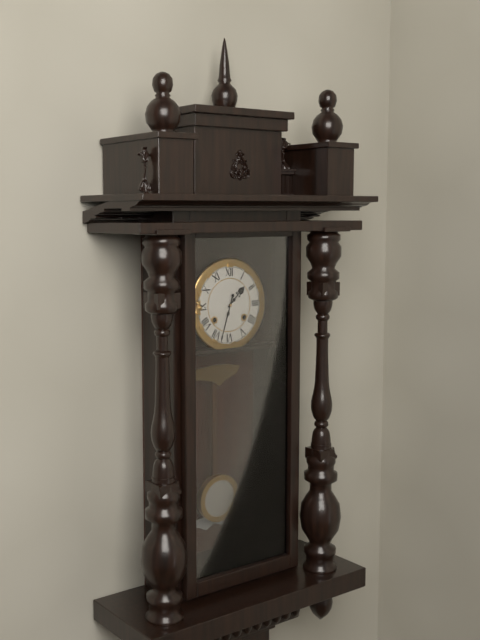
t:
1:33
